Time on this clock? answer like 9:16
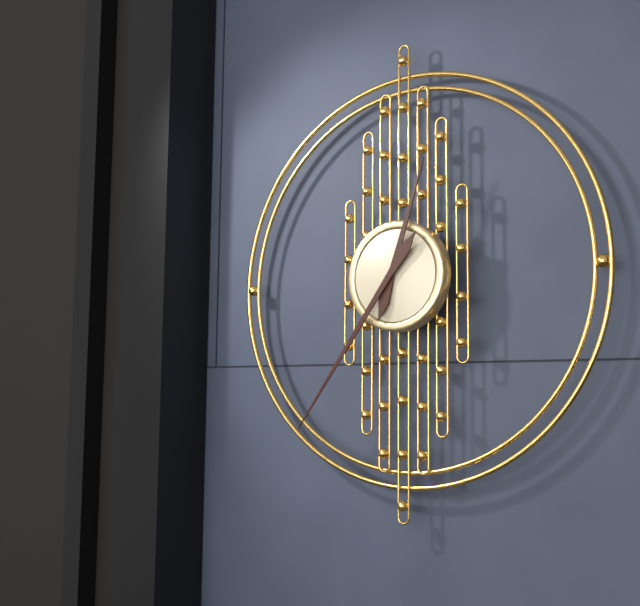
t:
12:36
